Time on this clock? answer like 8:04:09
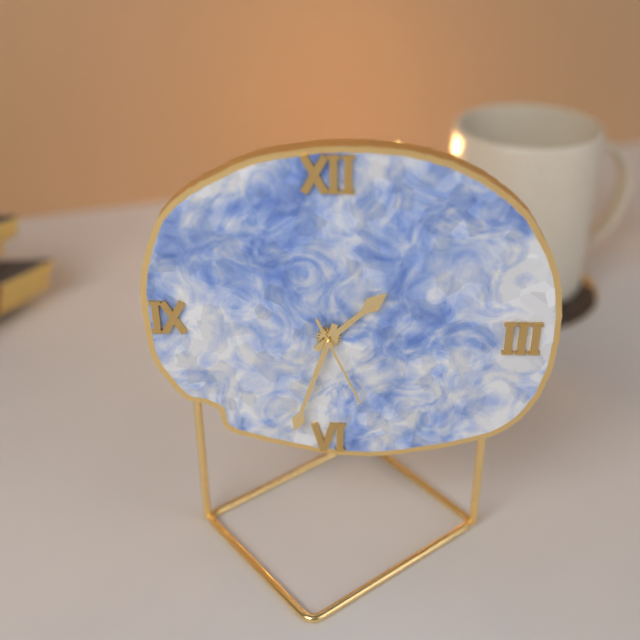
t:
1:33:26
